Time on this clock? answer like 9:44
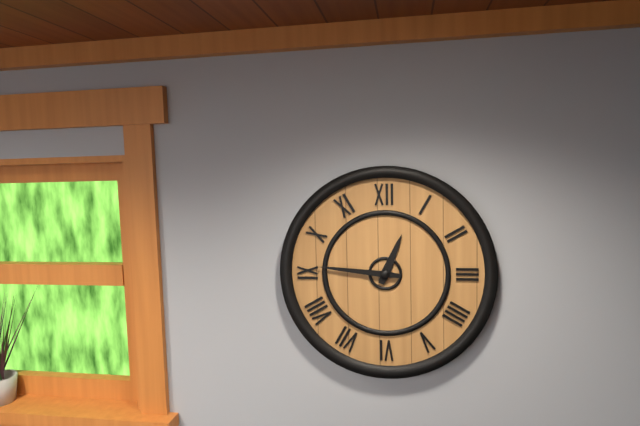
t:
12:46
